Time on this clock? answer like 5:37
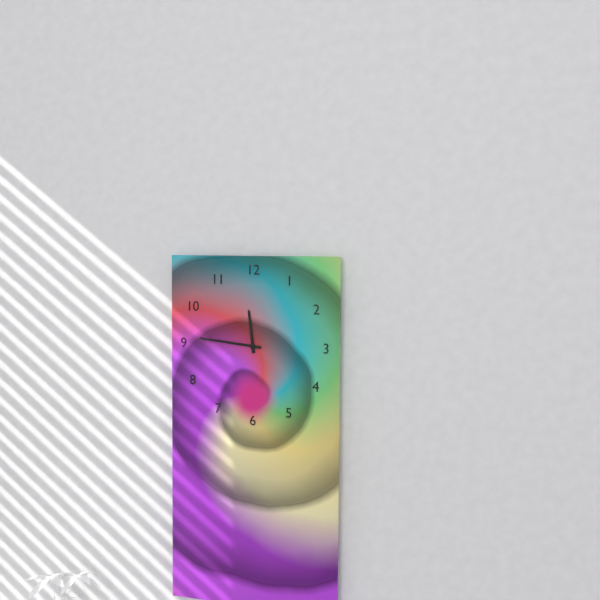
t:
11:46
